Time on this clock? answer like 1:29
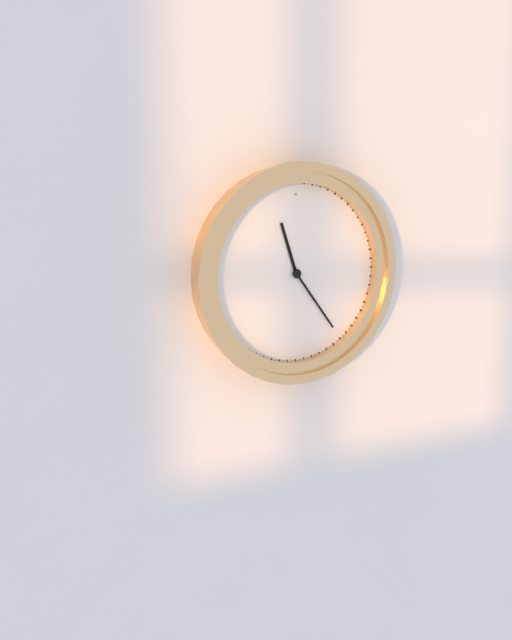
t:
11:24
